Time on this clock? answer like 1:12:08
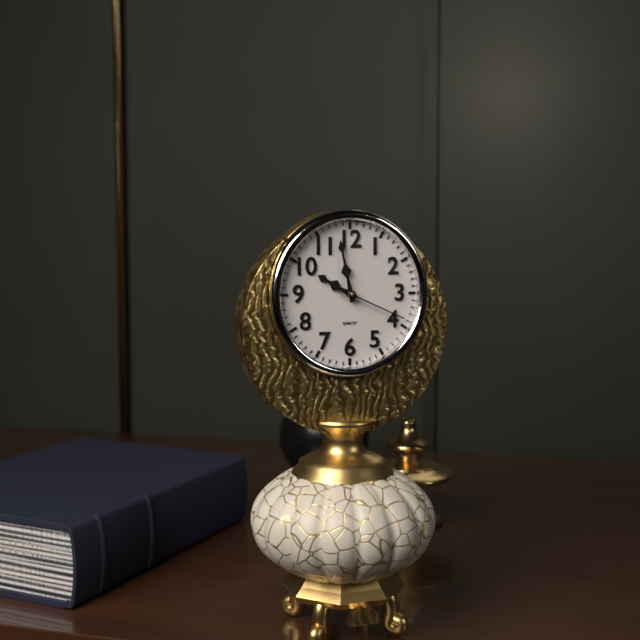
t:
9:58:19
